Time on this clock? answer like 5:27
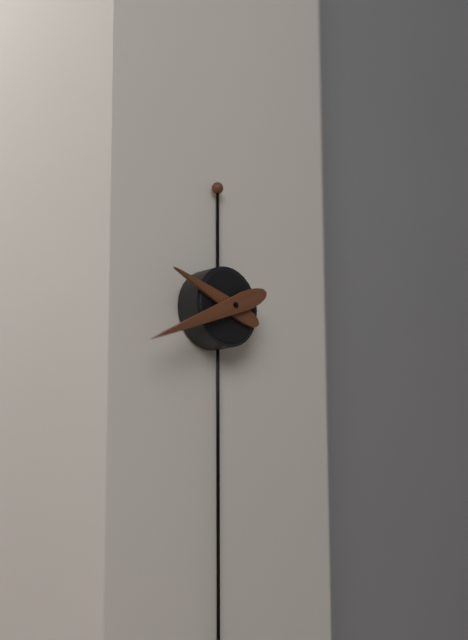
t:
9:41
